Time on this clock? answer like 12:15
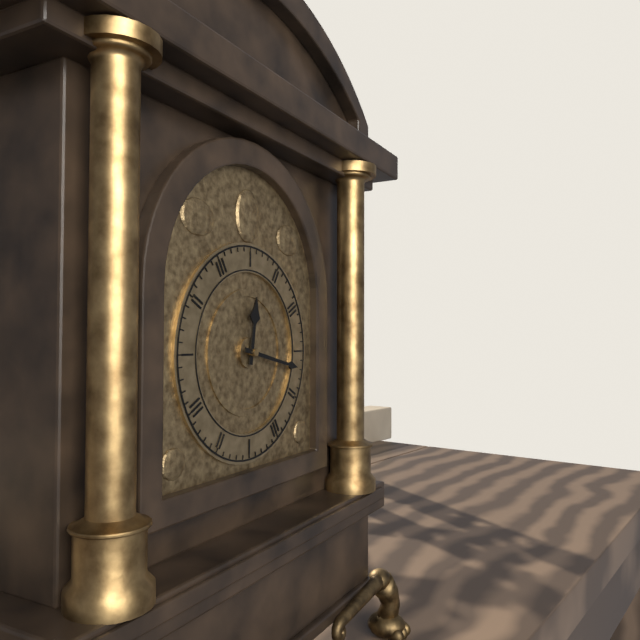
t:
12:17
